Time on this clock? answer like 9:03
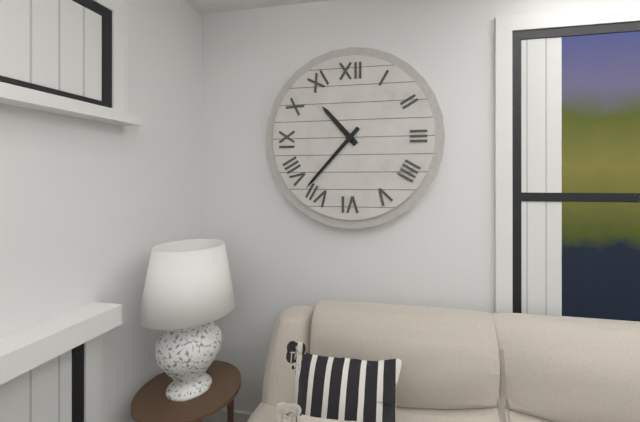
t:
10:37
